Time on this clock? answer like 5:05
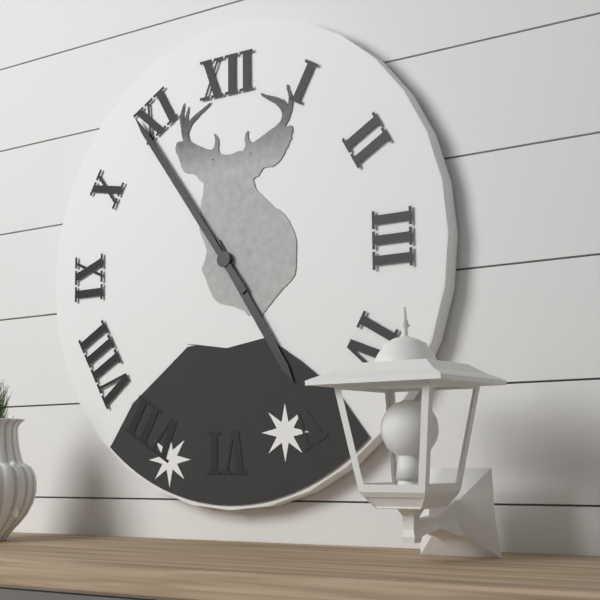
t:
4:54
